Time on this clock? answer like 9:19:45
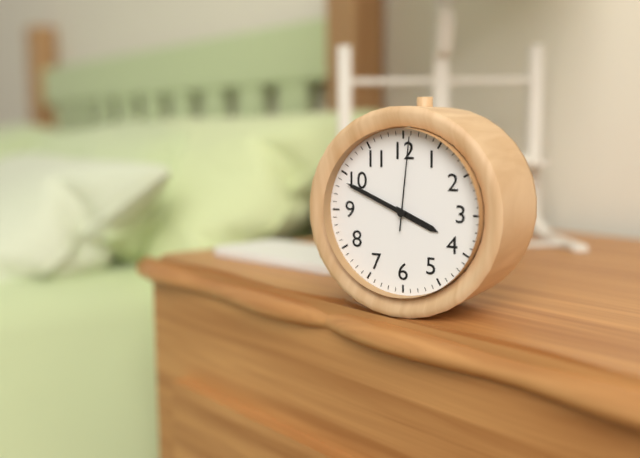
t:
3:49:01
